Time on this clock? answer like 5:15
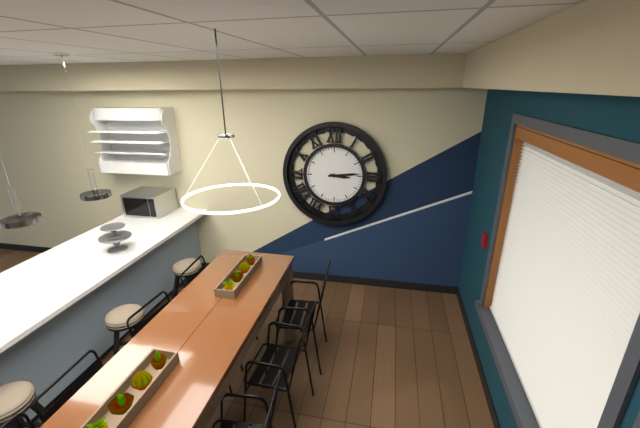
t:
3:14
